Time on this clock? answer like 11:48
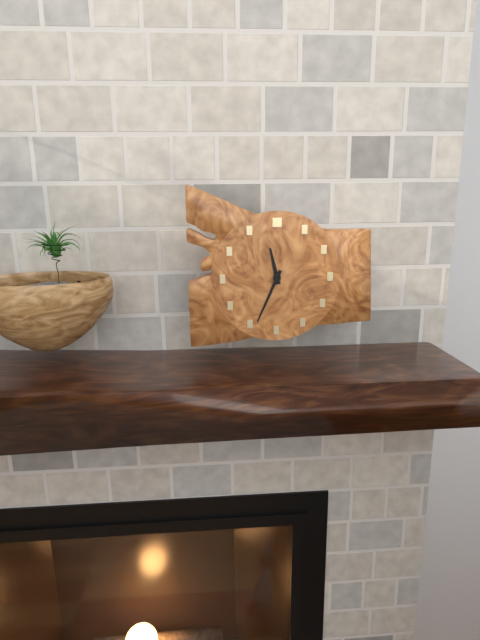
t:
11:34
